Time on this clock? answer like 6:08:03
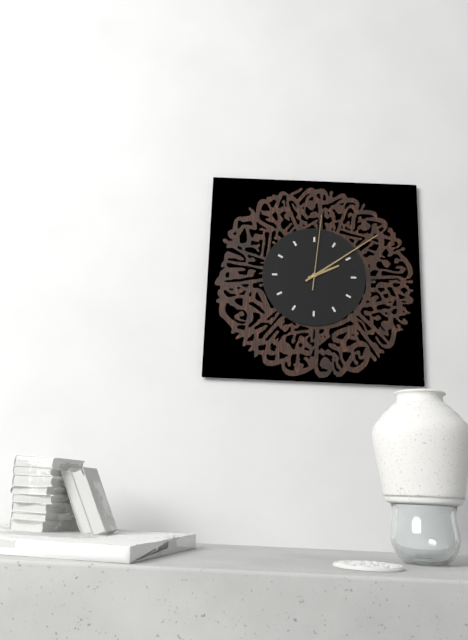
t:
2:09:01
